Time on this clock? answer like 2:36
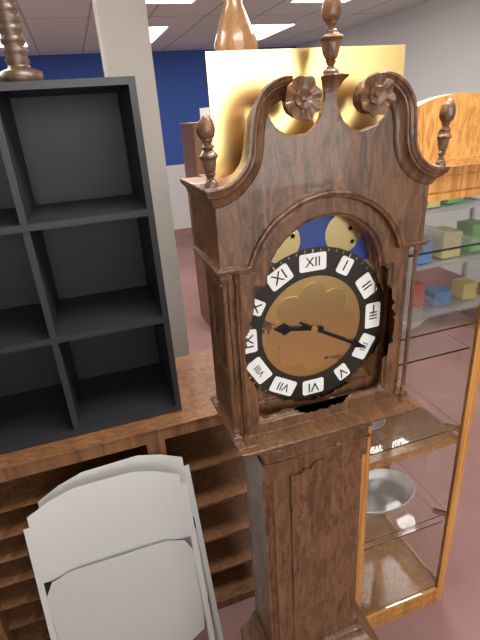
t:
9:20
